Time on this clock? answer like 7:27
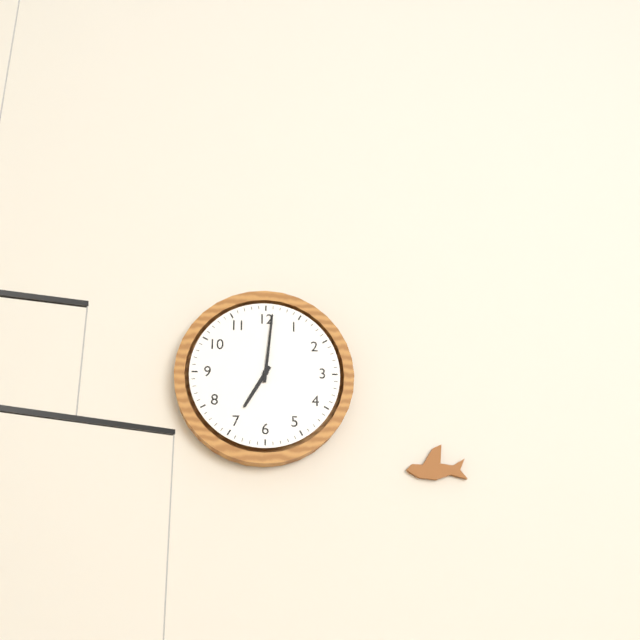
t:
7:01
